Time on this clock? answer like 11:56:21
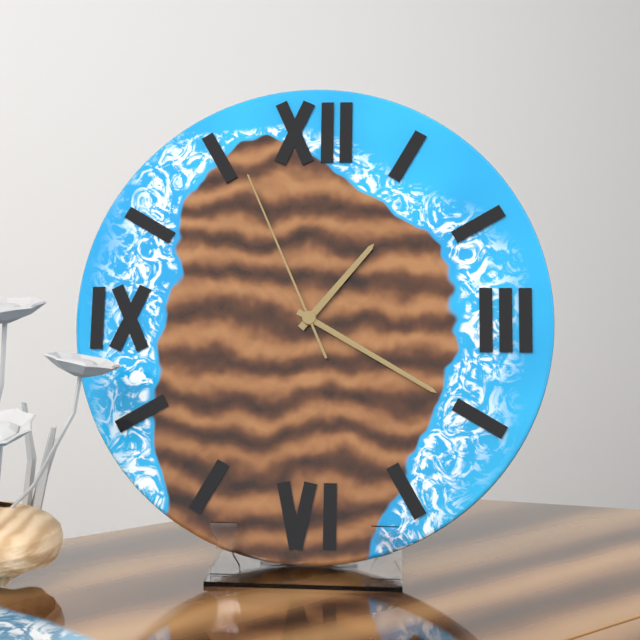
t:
1:20:56
